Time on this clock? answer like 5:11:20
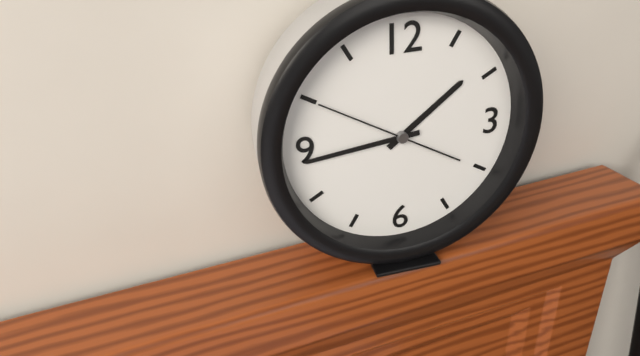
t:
1:44:50
